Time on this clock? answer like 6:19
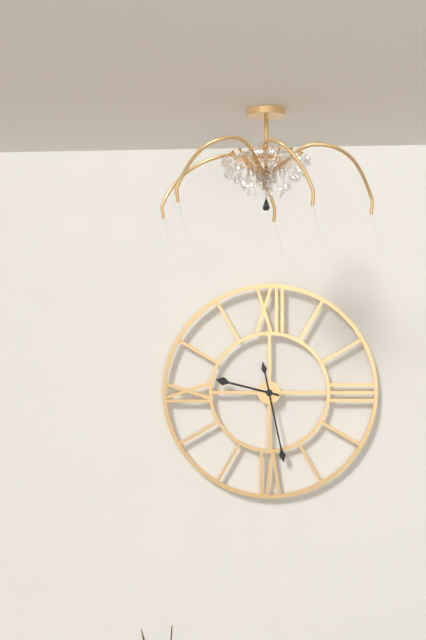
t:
9:28
